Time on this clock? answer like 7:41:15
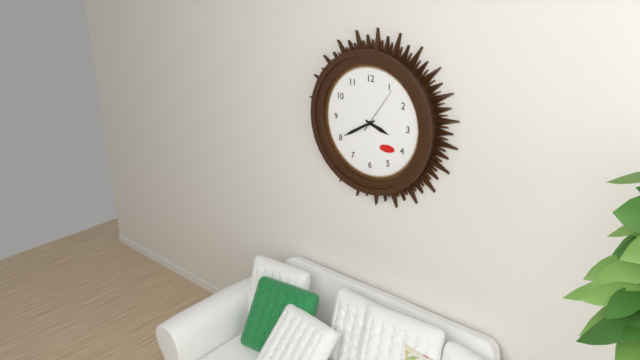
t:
3:40:06
